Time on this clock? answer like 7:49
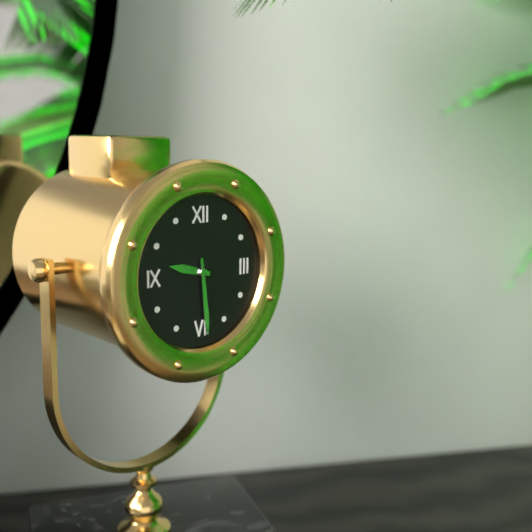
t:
9:29
